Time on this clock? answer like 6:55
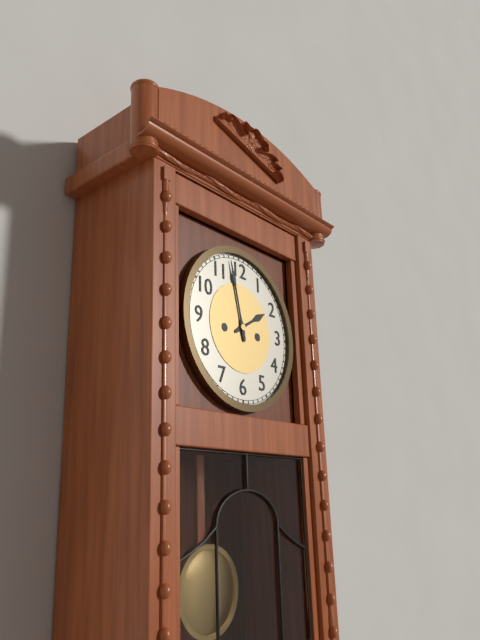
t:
1:58
